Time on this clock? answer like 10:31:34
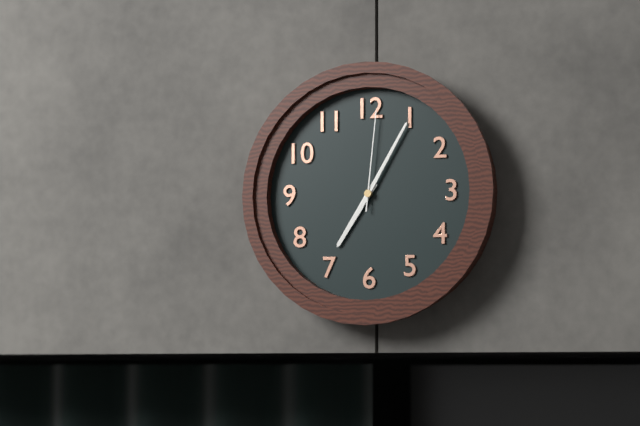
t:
7:05:01
